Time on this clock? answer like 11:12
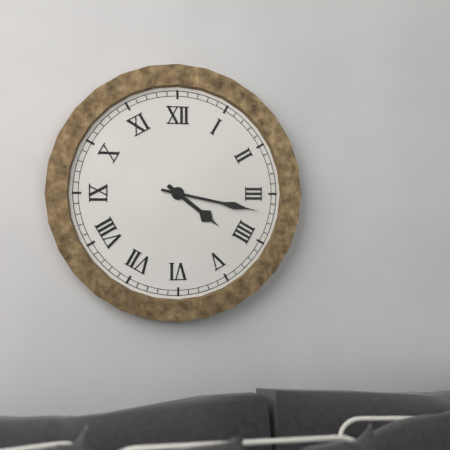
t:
4:17
